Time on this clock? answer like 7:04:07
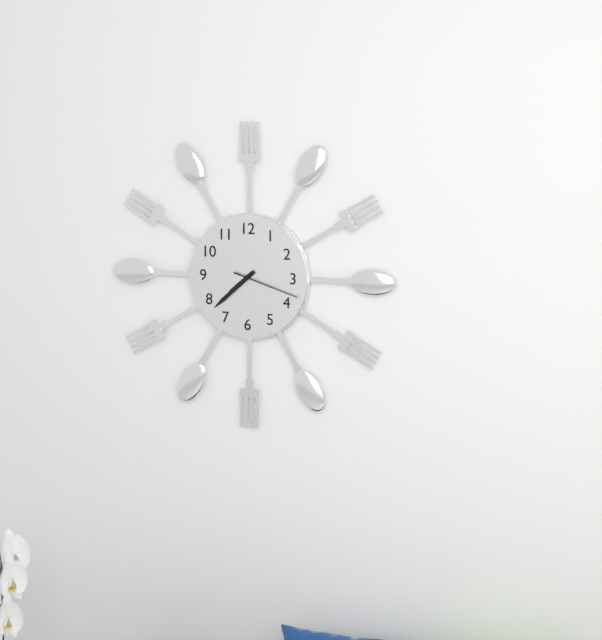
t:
7:38:18
